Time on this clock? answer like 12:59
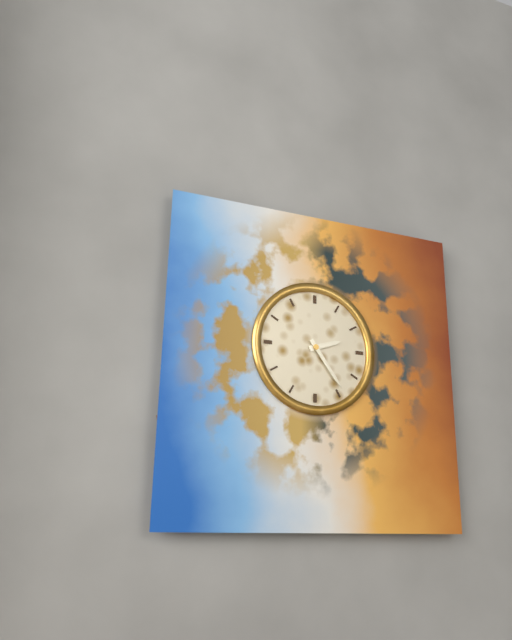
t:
2:24
